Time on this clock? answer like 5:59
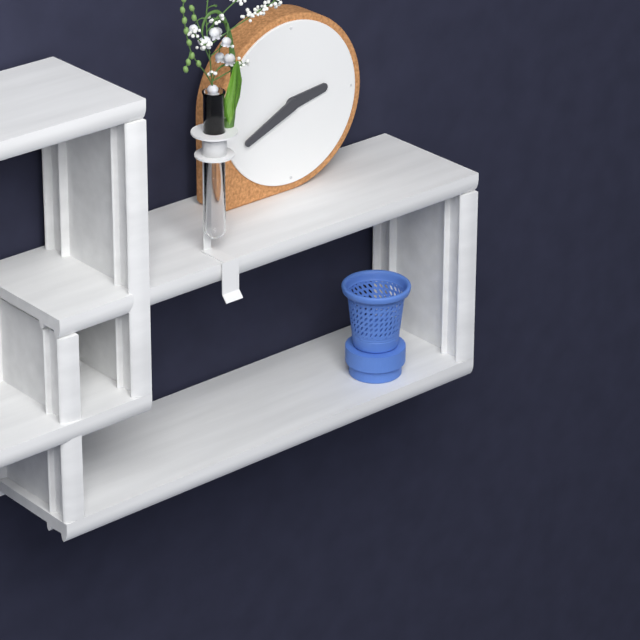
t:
2:41
